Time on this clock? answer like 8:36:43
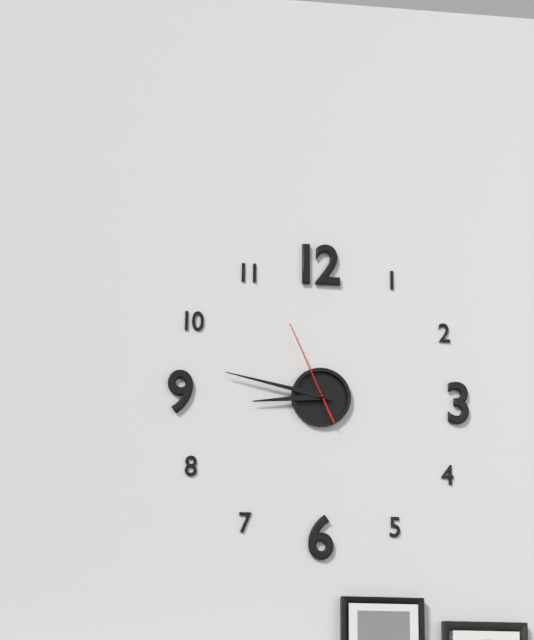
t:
8:47:56
